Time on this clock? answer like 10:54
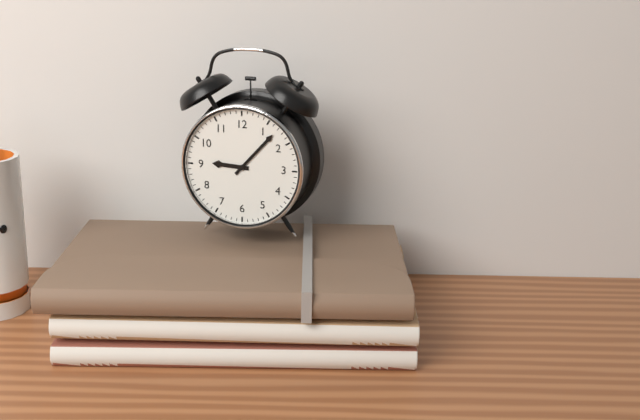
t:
9:07
